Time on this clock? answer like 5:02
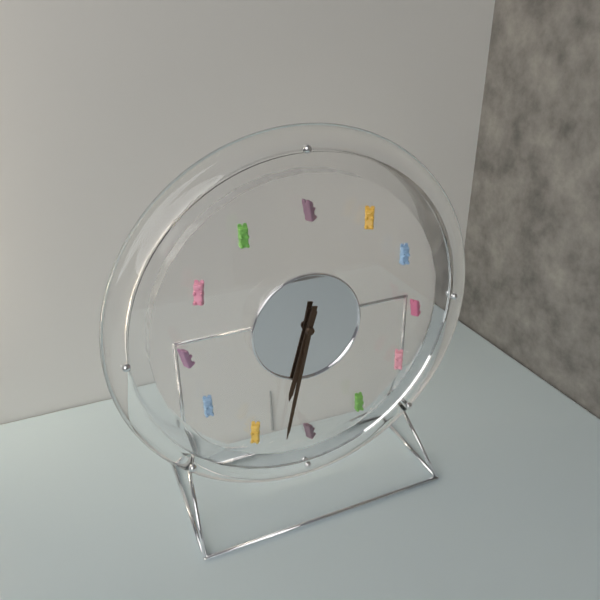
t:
6:32
